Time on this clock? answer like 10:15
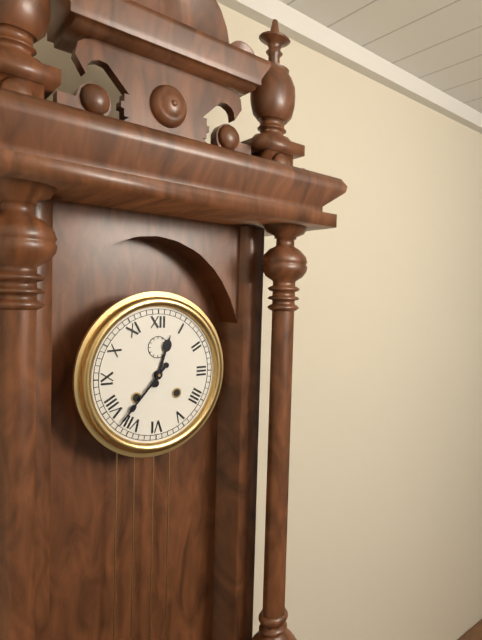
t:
12:37
